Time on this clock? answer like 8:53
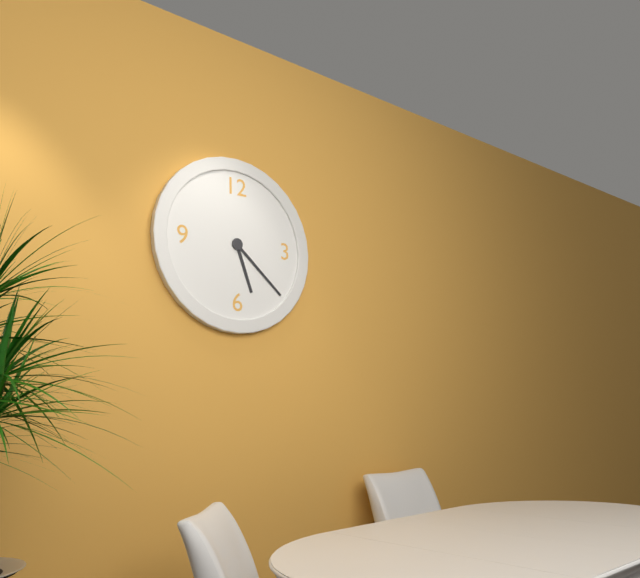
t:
5:22
